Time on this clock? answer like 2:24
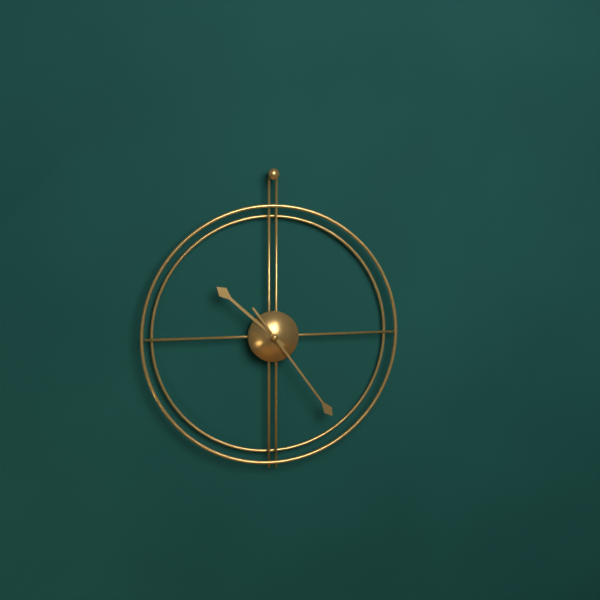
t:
10:24
